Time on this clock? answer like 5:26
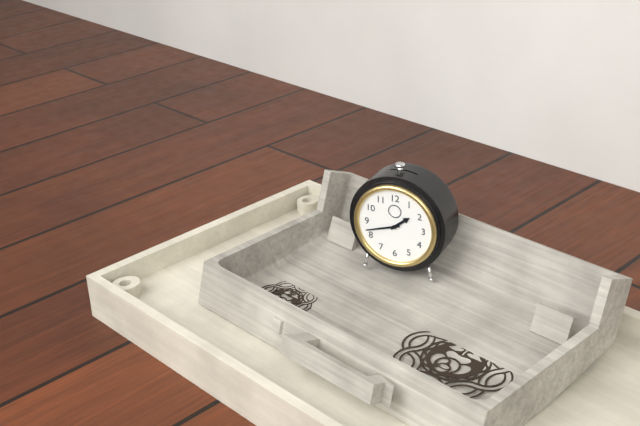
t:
1:42
